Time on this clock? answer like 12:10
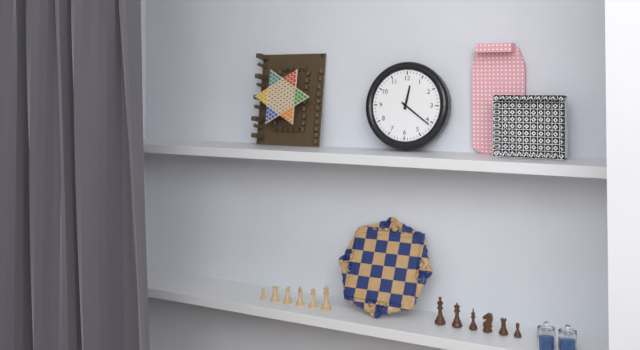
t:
12:21
